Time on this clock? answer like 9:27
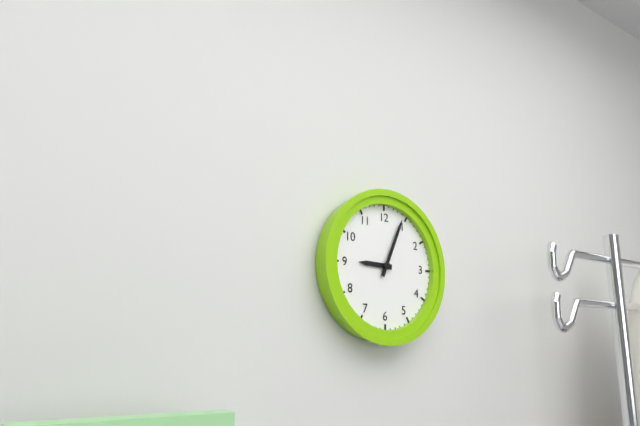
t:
9:04
